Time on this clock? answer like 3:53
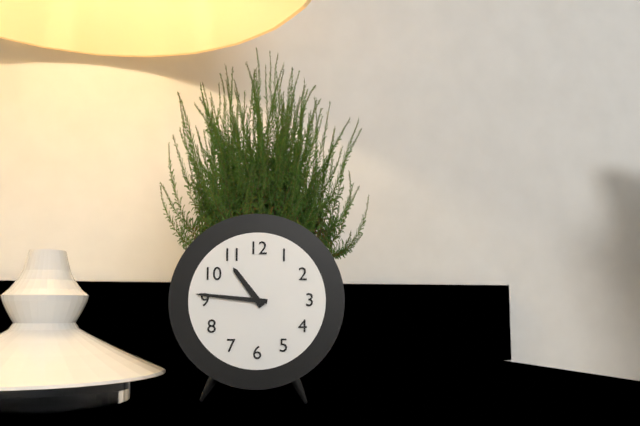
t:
10:46
